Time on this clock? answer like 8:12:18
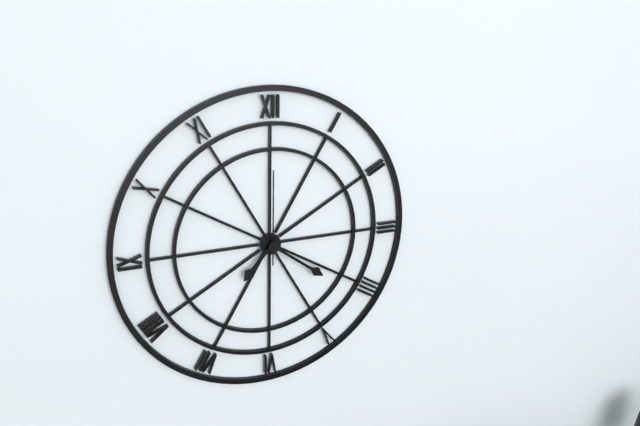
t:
7:21:00
